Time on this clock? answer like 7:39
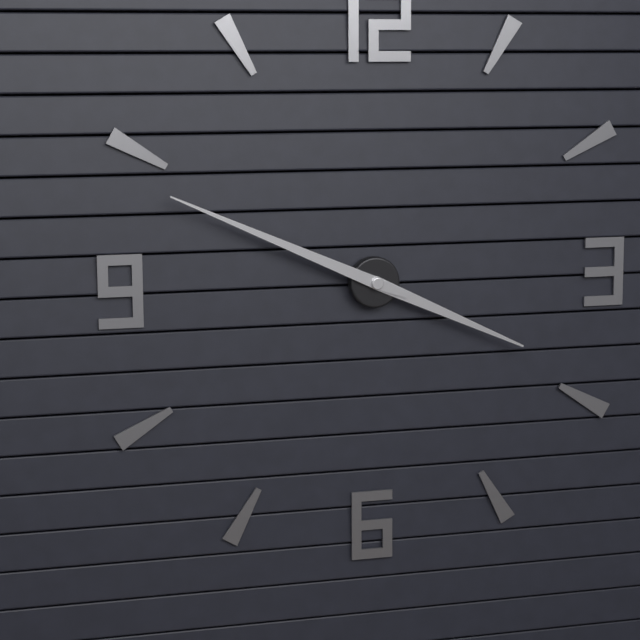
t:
3:49
